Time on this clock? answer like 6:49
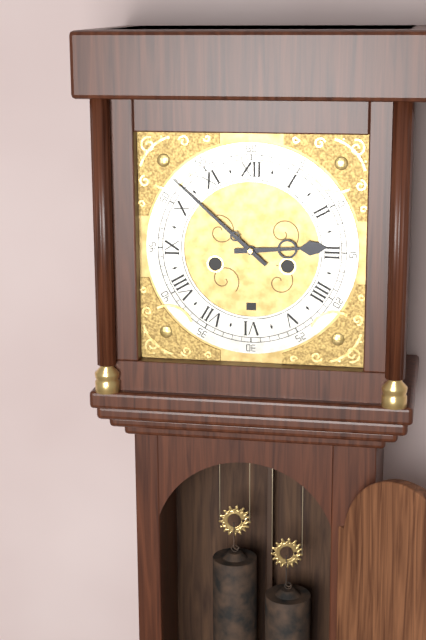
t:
2:52
